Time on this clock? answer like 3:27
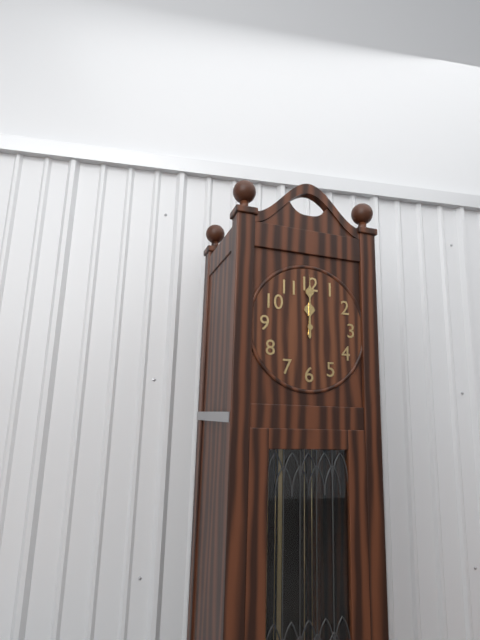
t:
12:00
